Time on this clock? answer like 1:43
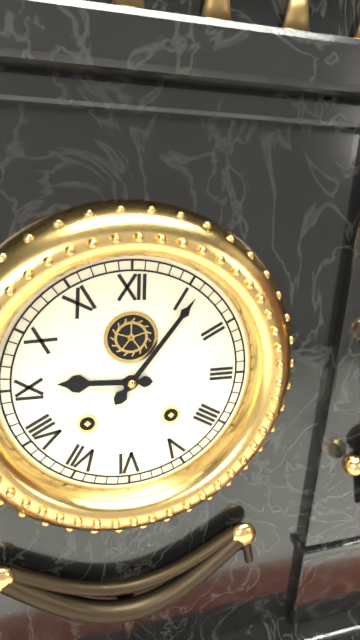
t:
9:06
